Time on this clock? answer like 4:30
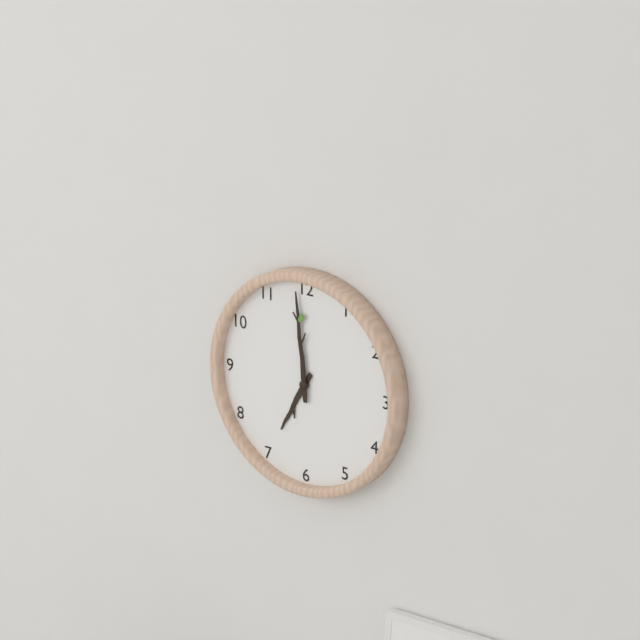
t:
6:59
